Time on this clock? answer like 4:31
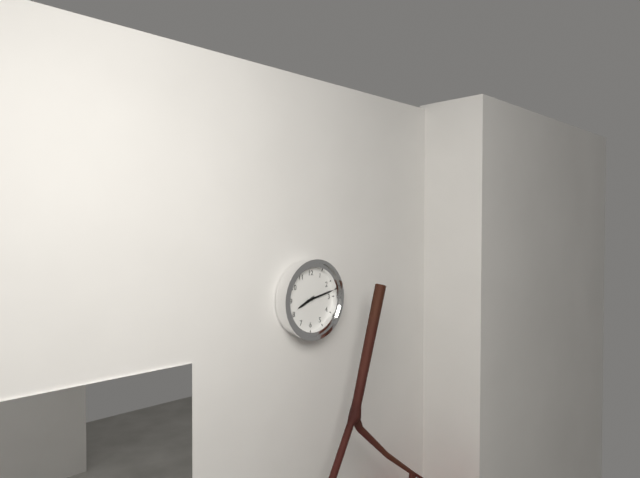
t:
8:13
